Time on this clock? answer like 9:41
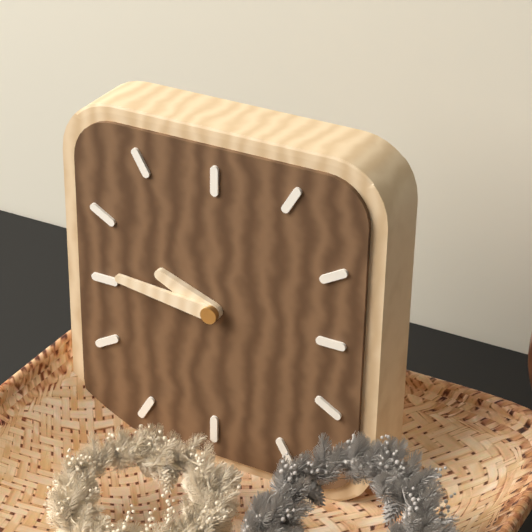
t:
9:46
